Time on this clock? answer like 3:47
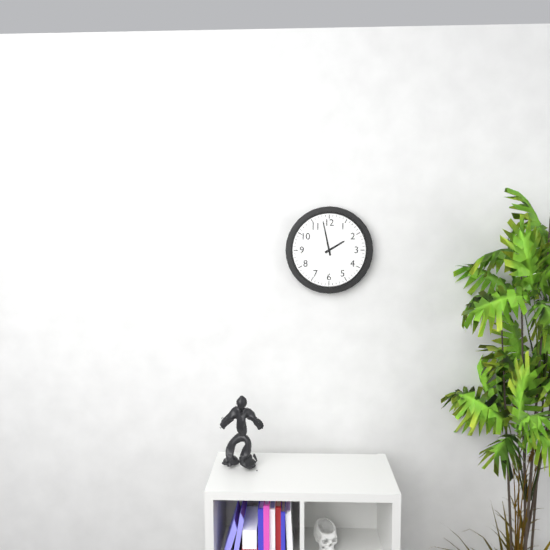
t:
1:58
